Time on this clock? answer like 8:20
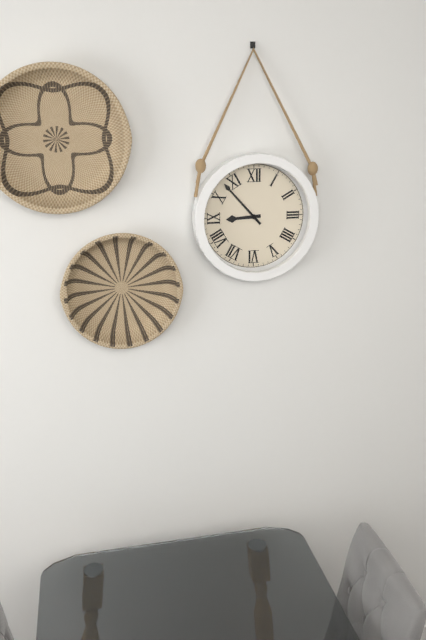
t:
8:53
